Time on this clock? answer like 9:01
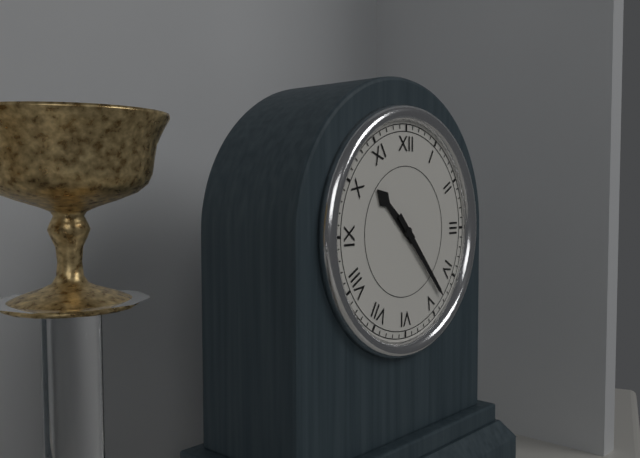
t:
10:23
